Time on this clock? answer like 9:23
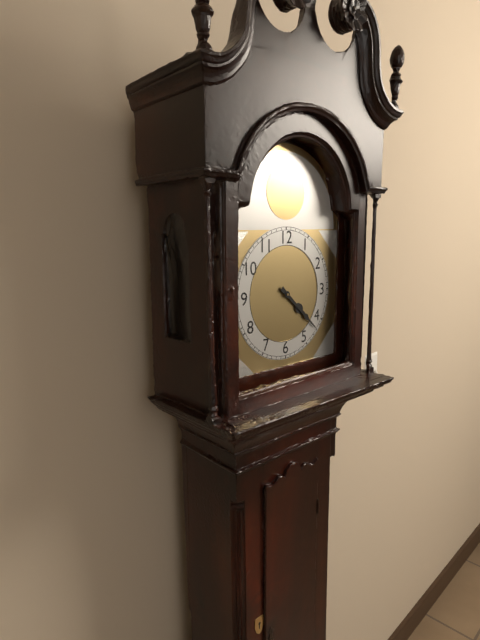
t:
4:22
